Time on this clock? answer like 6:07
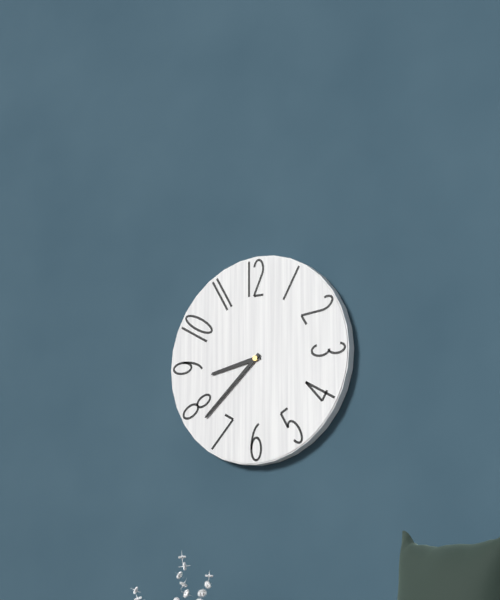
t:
8:38
